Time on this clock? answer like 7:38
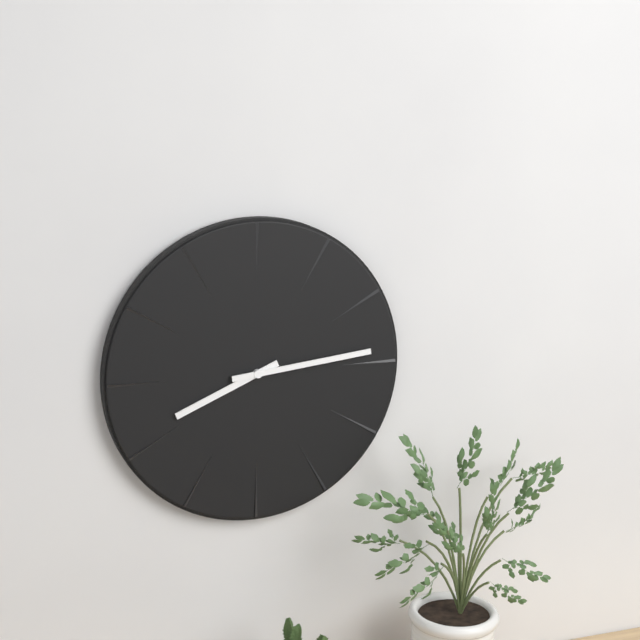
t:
8:14
